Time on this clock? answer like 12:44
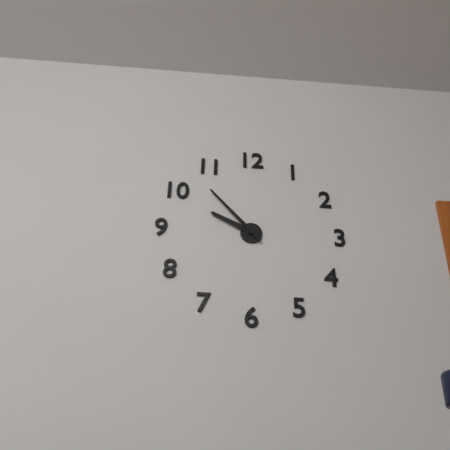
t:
9:53
